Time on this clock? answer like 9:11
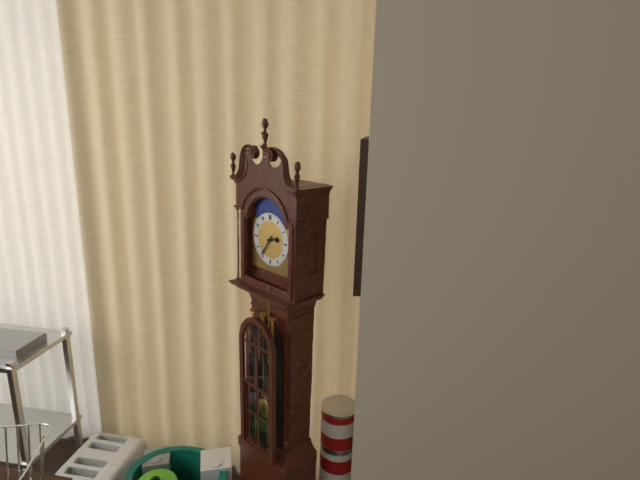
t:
2:36
